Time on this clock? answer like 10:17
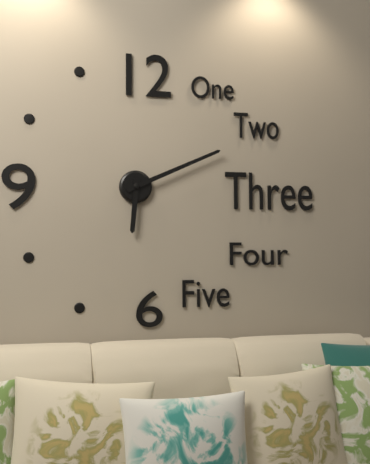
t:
6:11
